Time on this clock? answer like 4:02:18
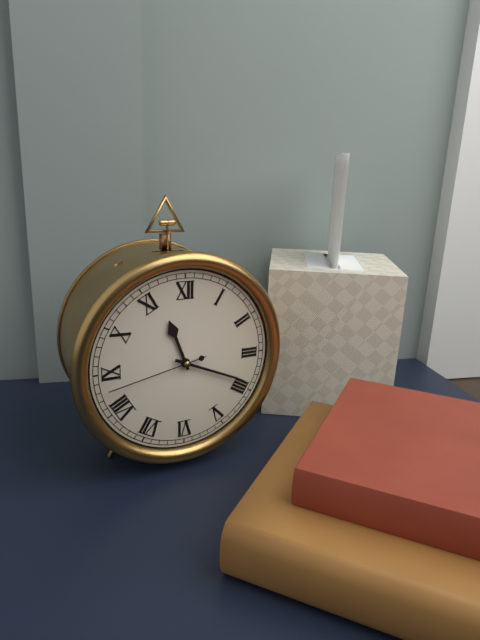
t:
11:19:43
